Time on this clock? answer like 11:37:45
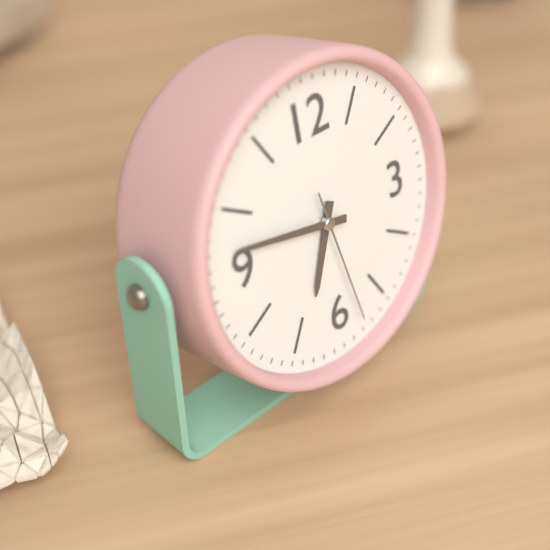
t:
6:47:28
